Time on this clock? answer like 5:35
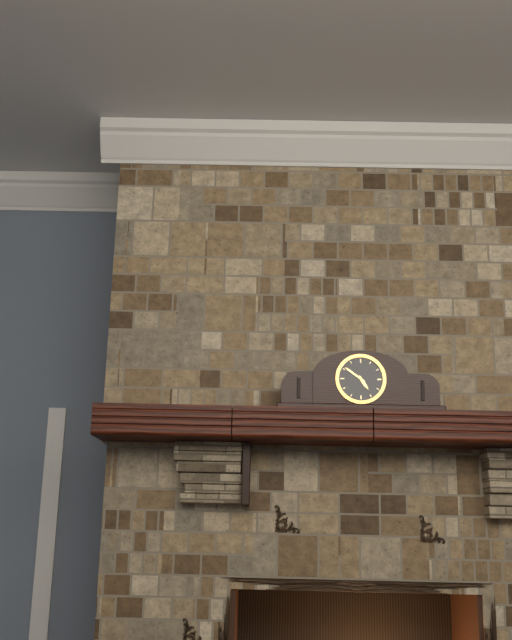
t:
4:51
